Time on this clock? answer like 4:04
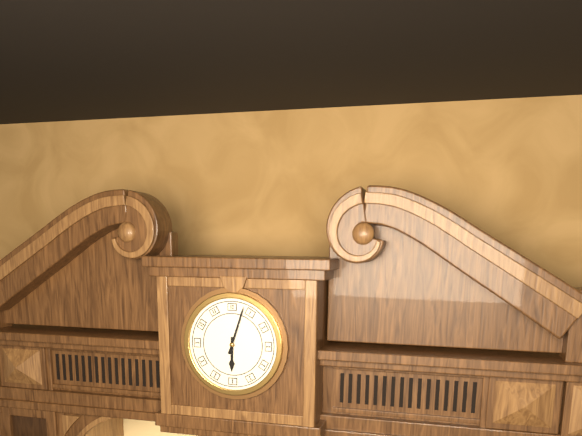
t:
6:03
